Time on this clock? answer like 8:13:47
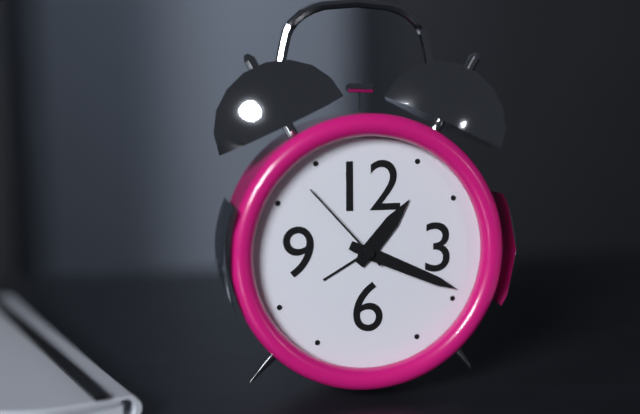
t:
1:19:53
